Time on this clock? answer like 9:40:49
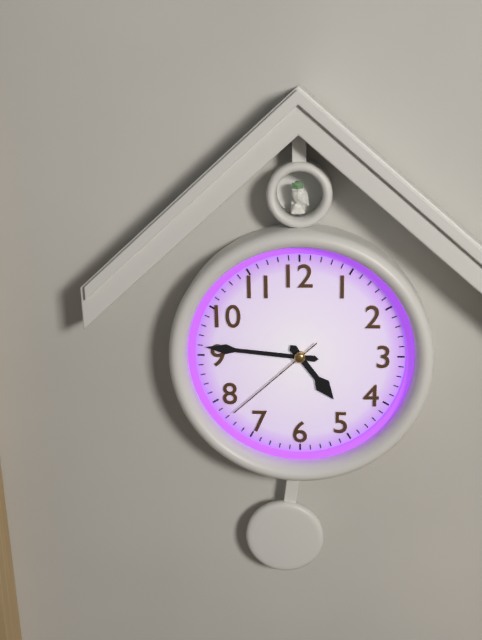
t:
4:46:38
